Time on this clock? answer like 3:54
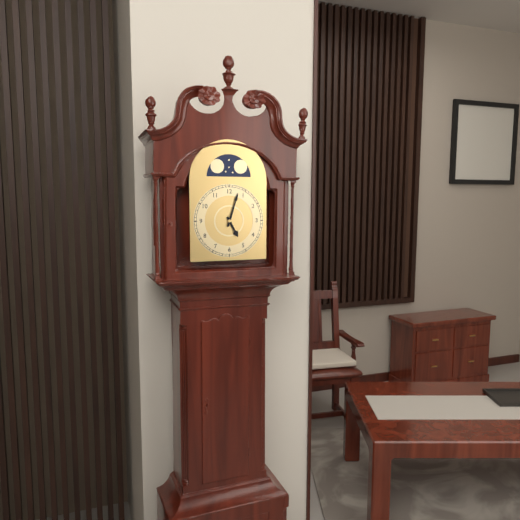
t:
5:03
